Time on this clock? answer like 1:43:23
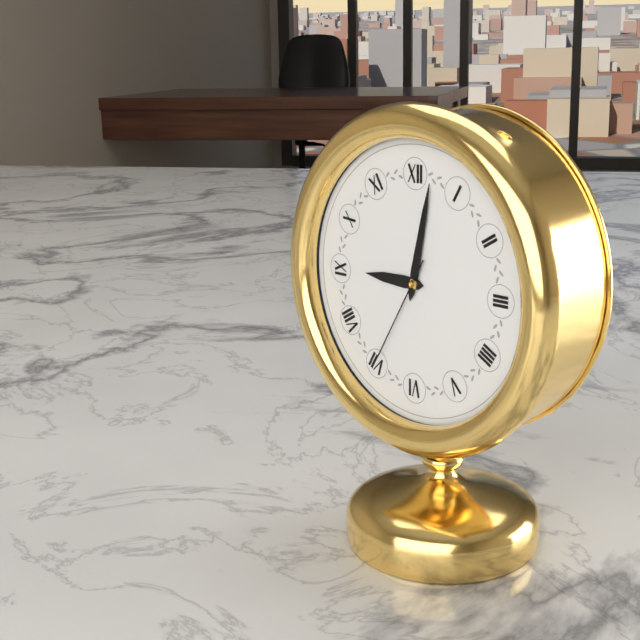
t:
9:02:35
